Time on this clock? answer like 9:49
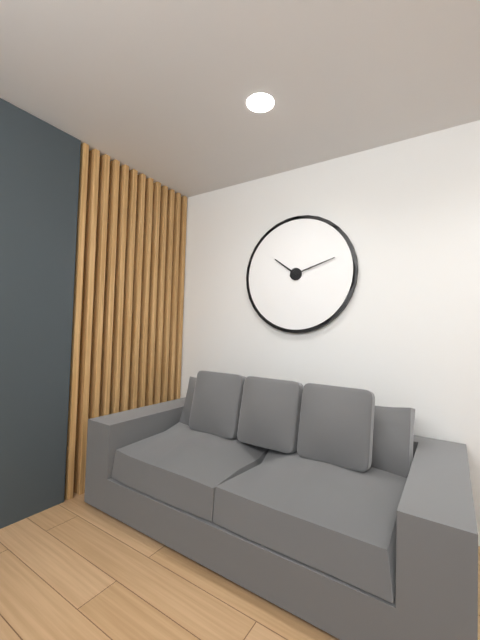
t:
10:12
